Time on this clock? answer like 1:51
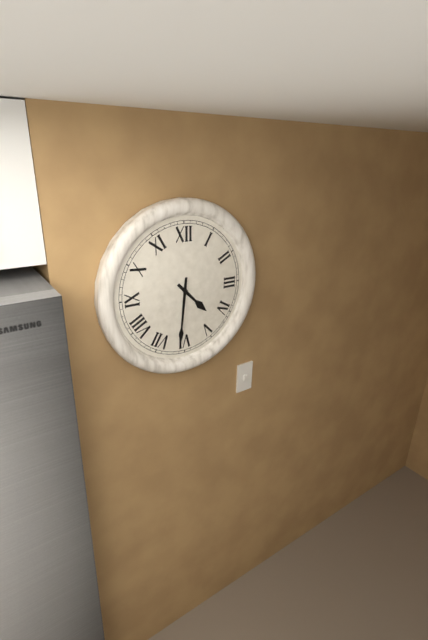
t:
4:31
